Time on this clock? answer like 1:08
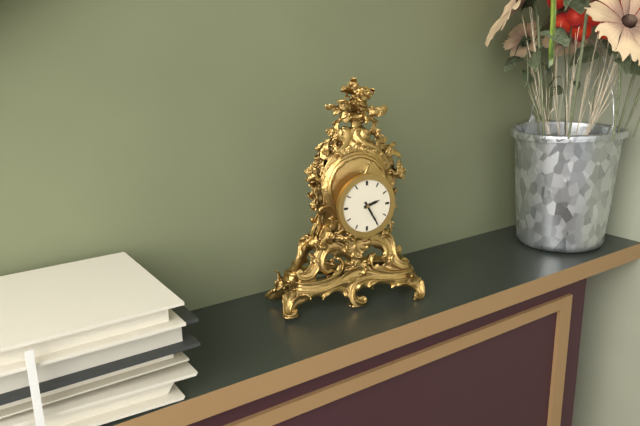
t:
2:25
